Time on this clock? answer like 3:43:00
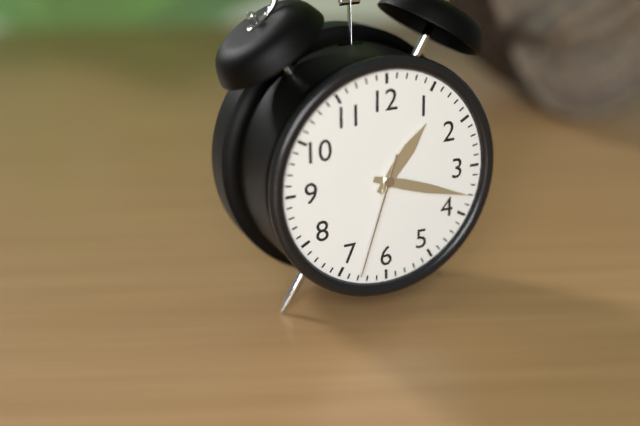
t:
1:18:33
